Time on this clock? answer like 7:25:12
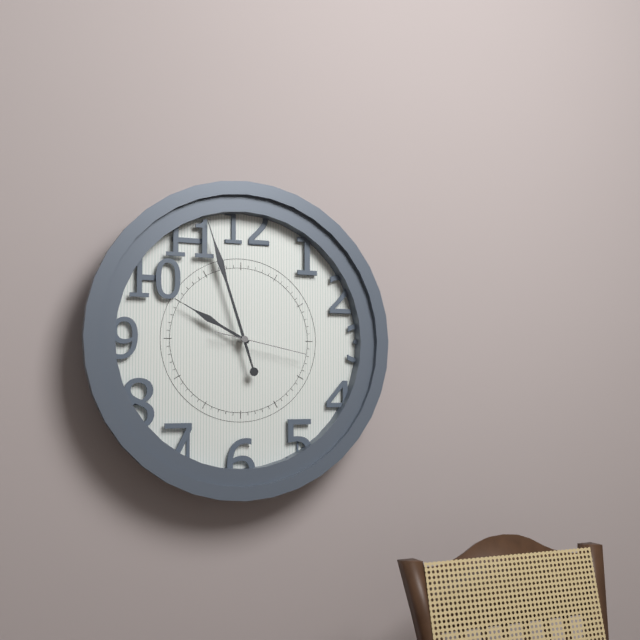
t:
9:57:17
